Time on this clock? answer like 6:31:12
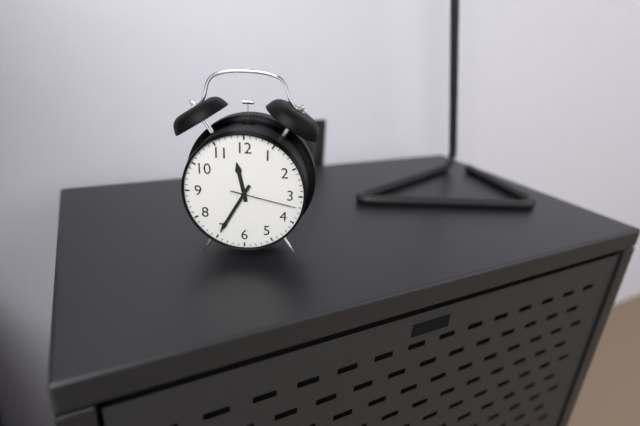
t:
11:35:17
